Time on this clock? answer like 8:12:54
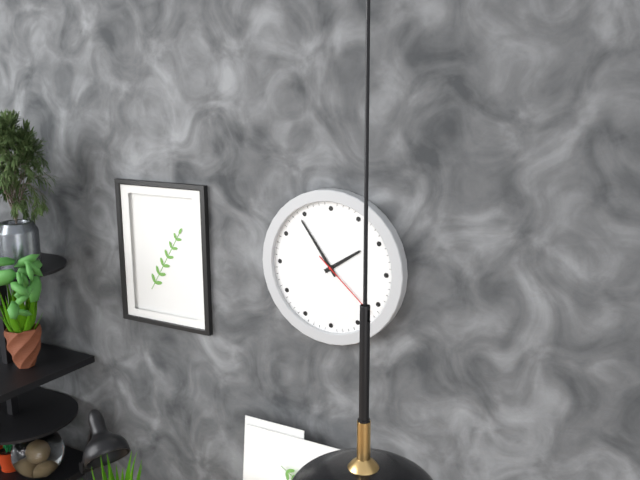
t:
1:54:22
